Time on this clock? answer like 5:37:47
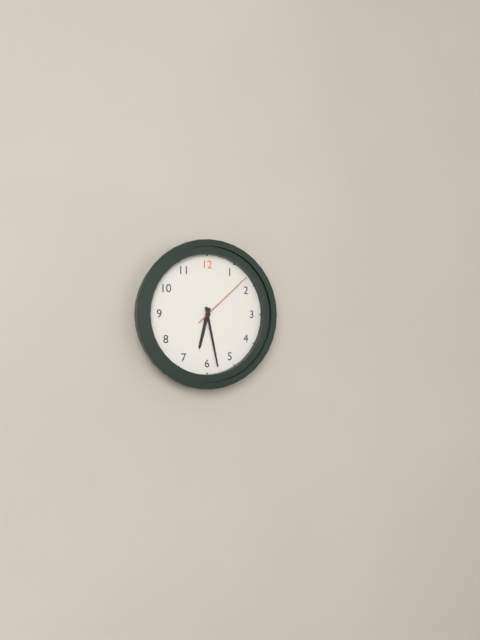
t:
6:28:08
